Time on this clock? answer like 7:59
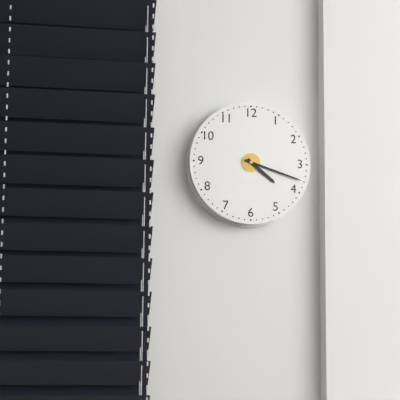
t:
4:18
